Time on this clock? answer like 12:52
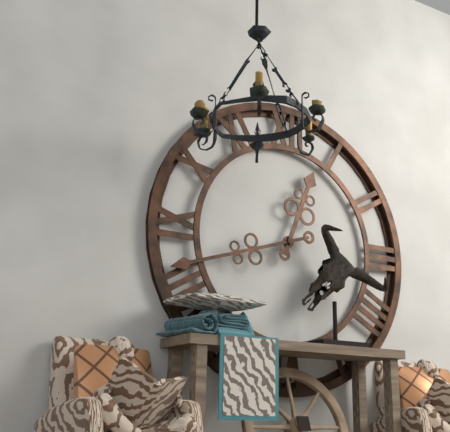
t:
12:42
